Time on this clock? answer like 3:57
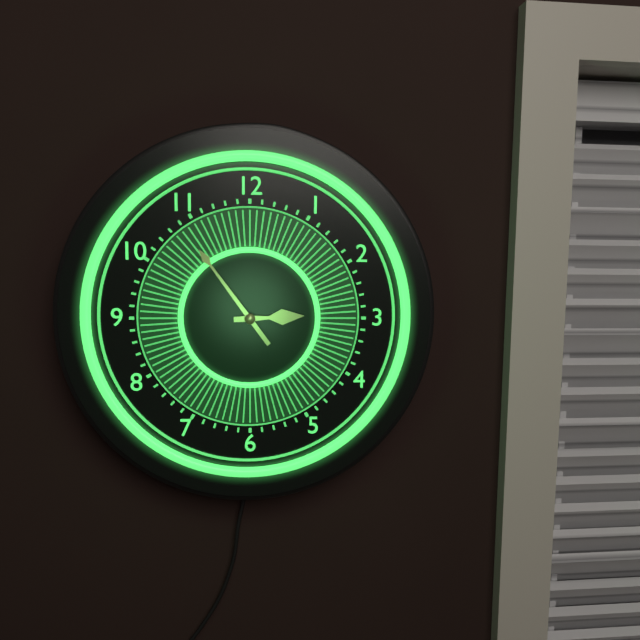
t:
2:54
